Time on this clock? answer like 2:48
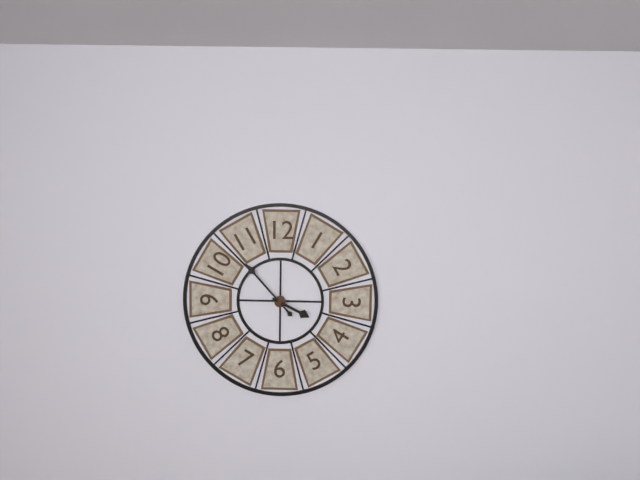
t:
3:53
